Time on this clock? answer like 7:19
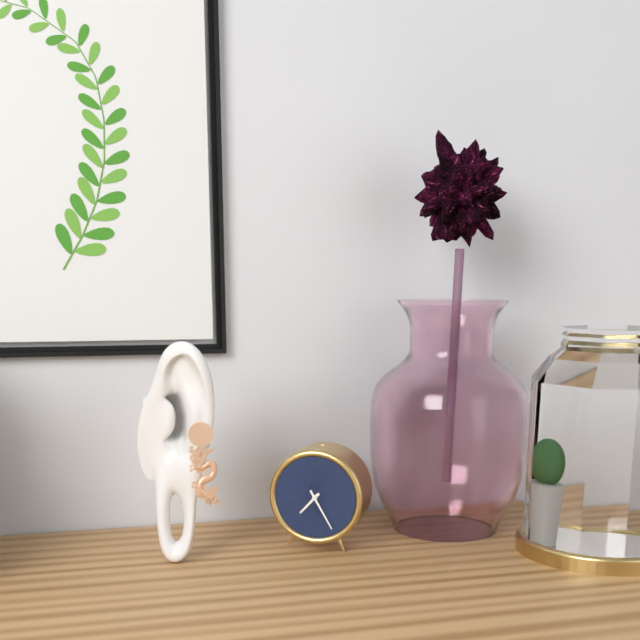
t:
7:25
